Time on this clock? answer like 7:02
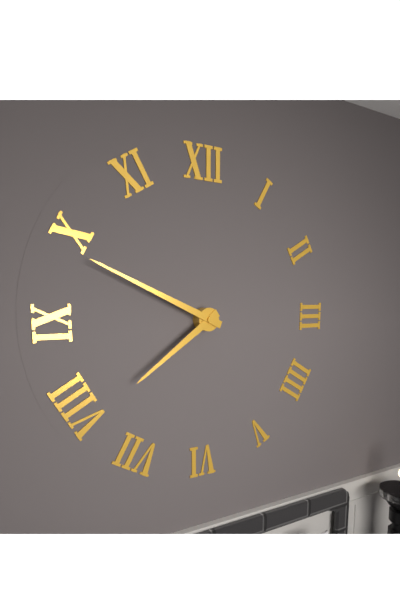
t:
7:49
